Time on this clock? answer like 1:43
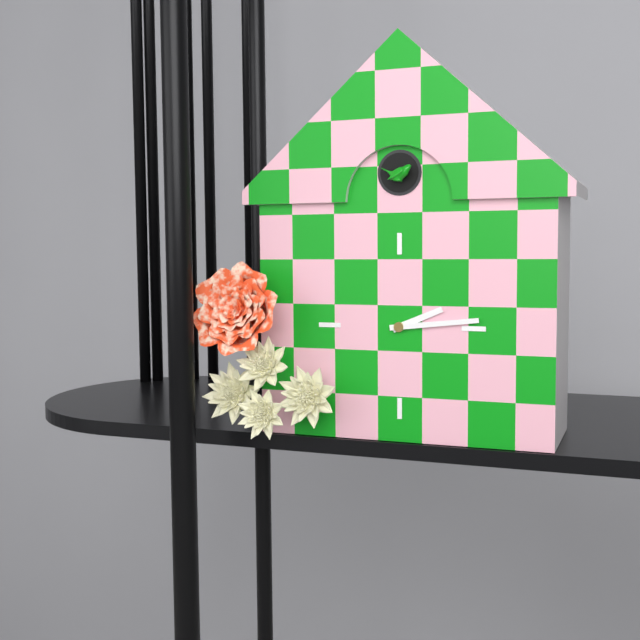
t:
2:14
